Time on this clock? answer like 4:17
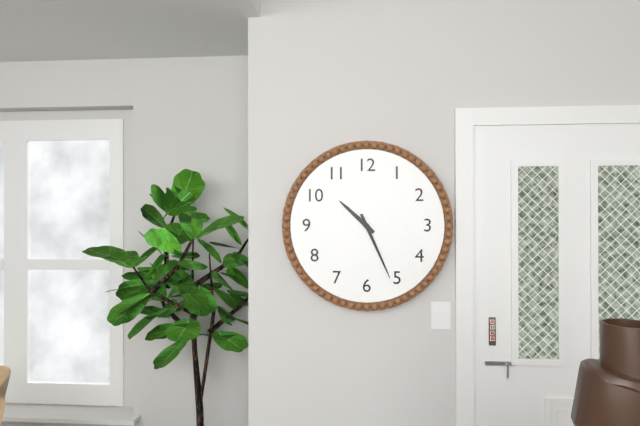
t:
10:26
